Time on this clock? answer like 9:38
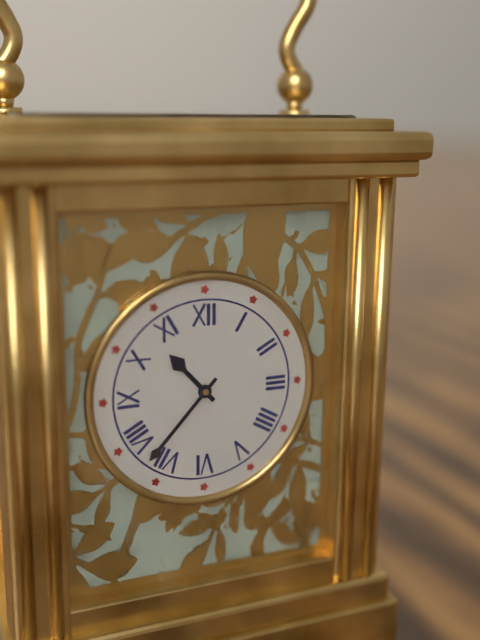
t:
10:37
